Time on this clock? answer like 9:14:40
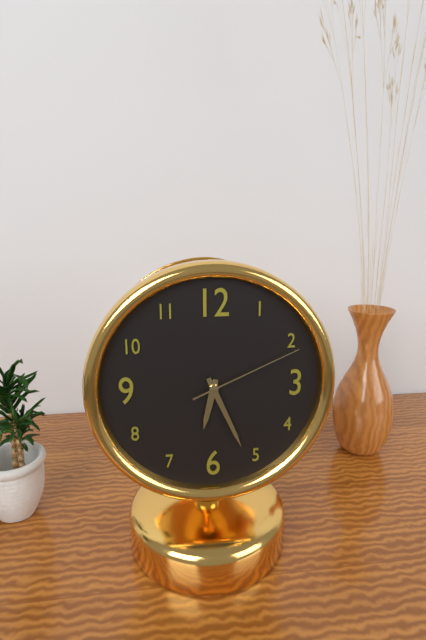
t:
6:26:11
